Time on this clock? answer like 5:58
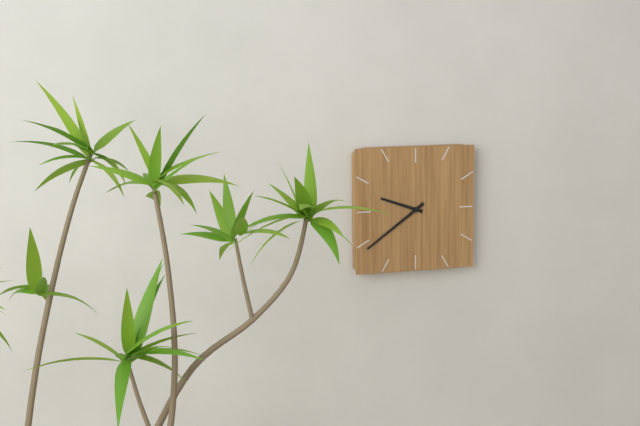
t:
9:39
